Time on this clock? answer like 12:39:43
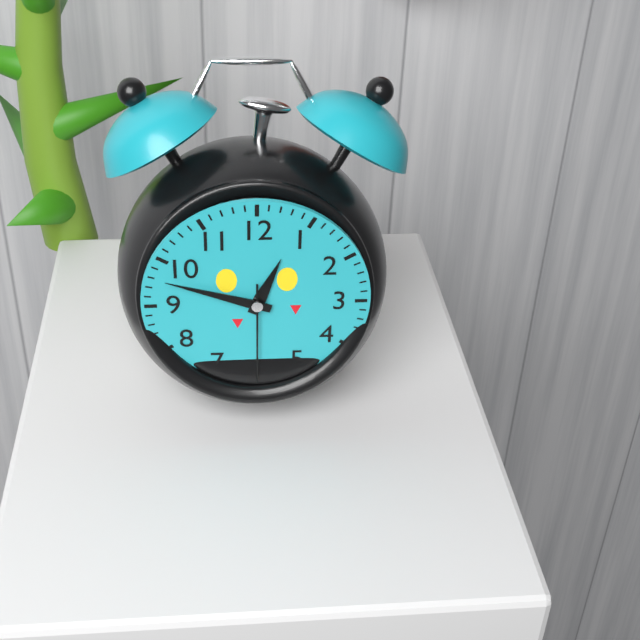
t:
12:48:30
